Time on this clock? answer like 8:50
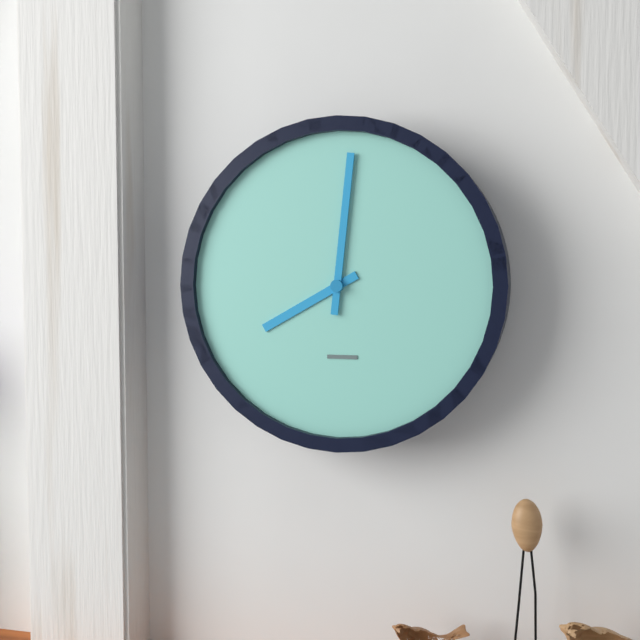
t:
8:01
